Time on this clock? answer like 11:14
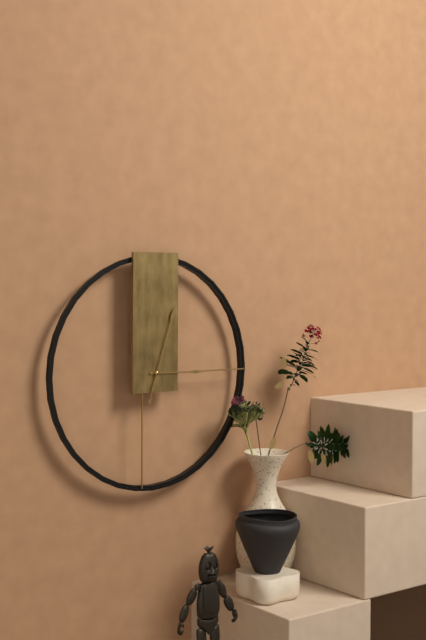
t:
3:03
